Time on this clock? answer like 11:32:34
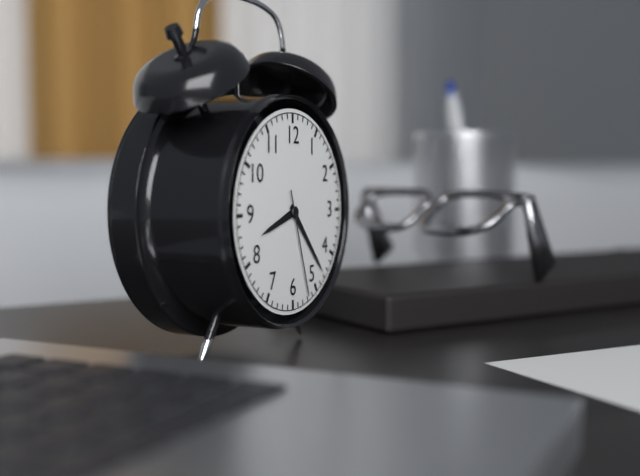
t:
8:23:27
